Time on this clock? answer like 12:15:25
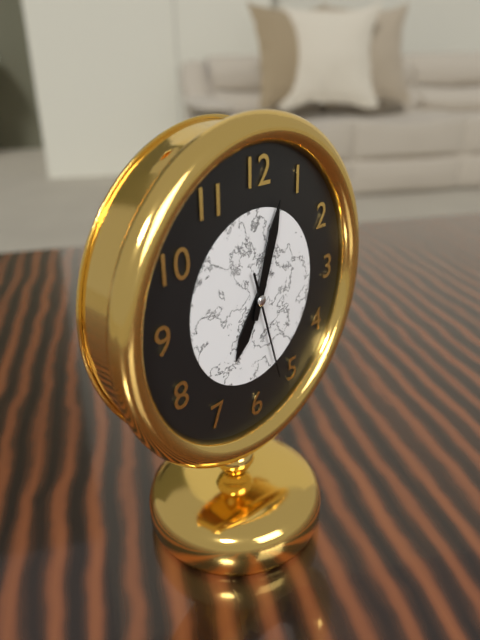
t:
7:03:27
